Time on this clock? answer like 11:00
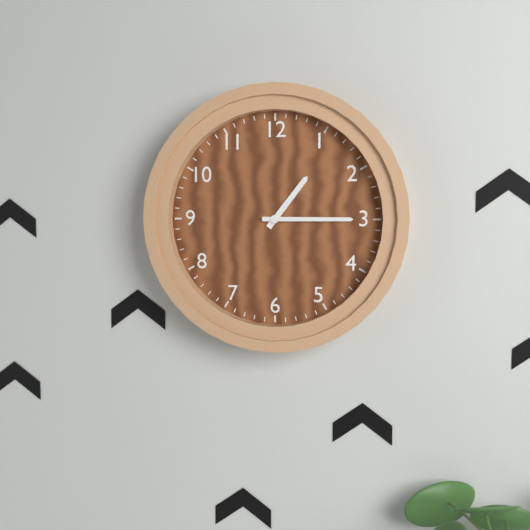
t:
1:15
